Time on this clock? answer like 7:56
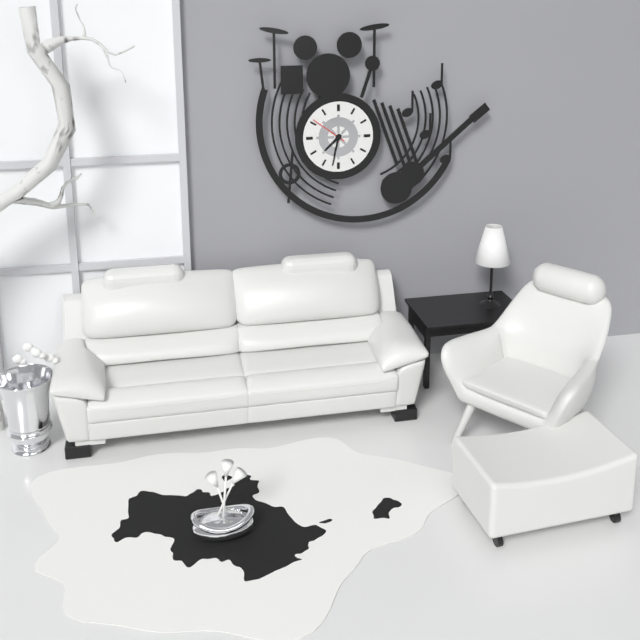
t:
7:32
